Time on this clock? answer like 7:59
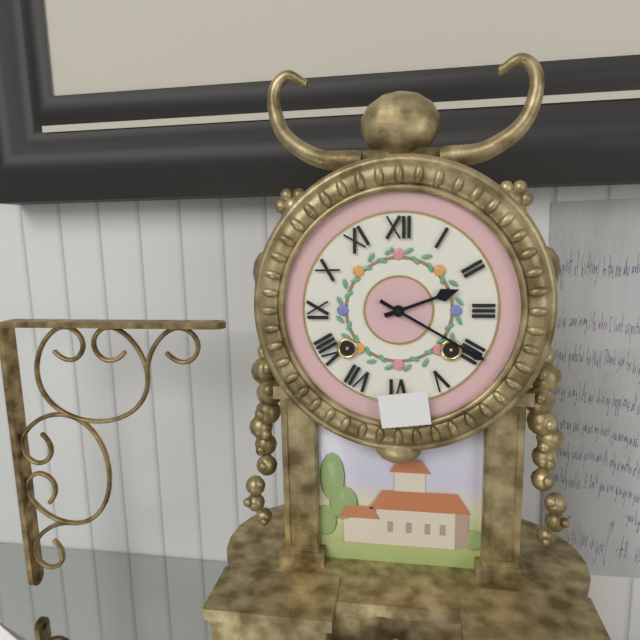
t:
2:20
